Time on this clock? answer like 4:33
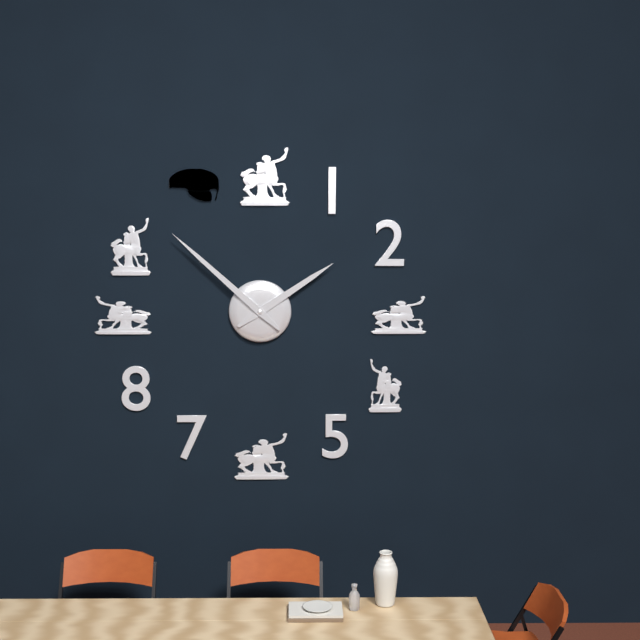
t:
1:52
